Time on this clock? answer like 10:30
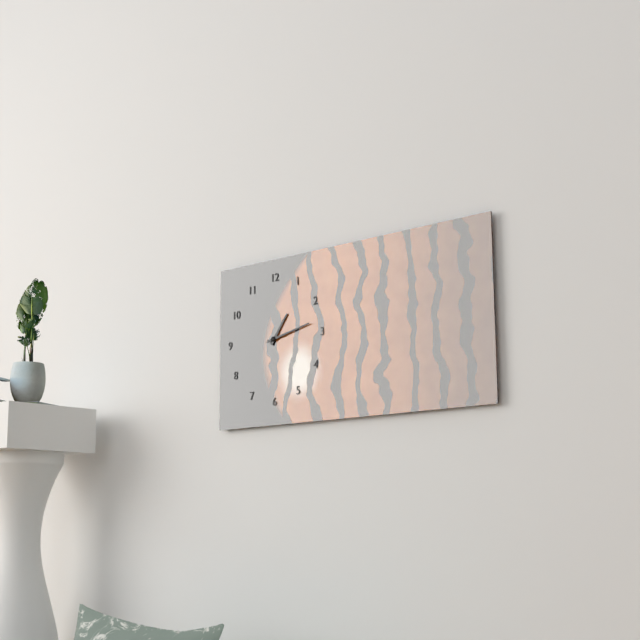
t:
1:13
